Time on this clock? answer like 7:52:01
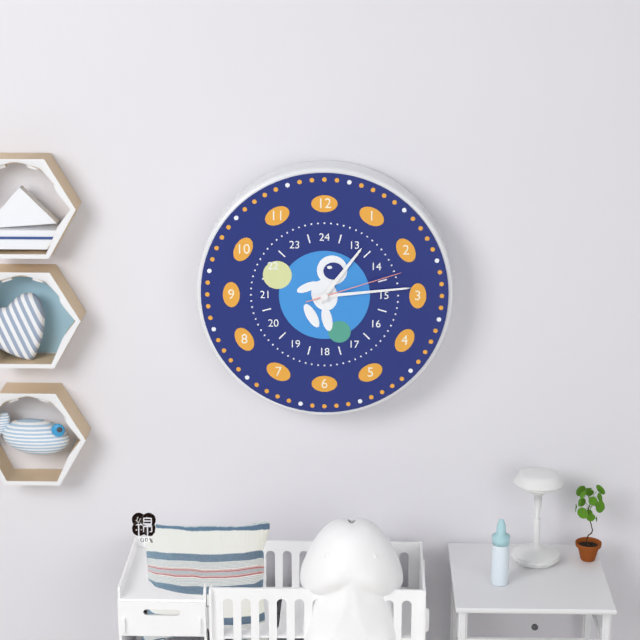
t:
1:14:12
